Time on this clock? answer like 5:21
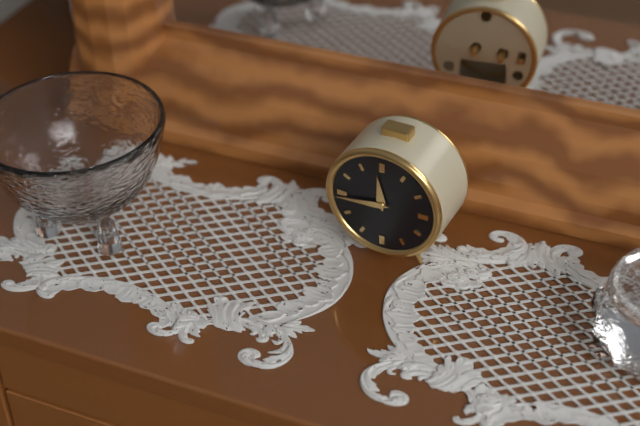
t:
11:44
